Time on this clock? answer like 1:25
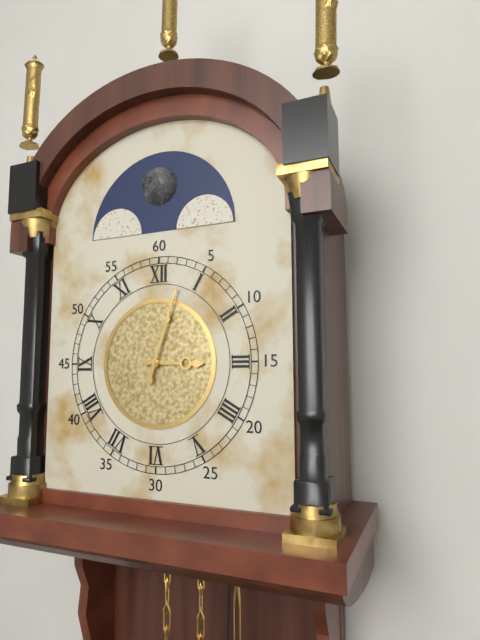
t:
3:03
